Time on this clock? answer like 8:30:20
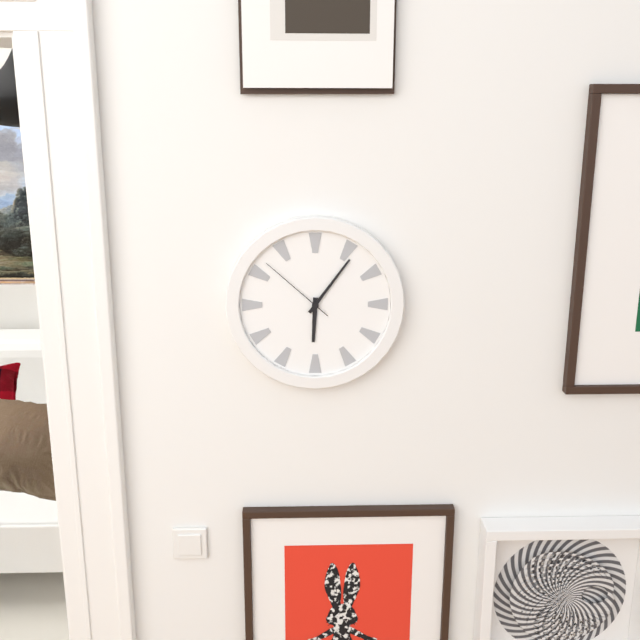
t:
6:06:52
